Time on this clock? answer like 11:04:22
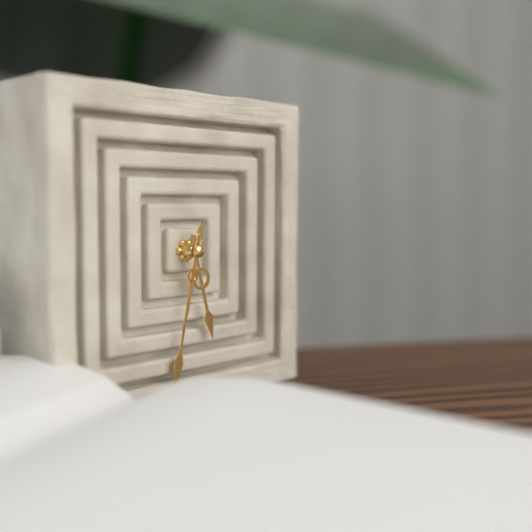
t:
5:32:32
